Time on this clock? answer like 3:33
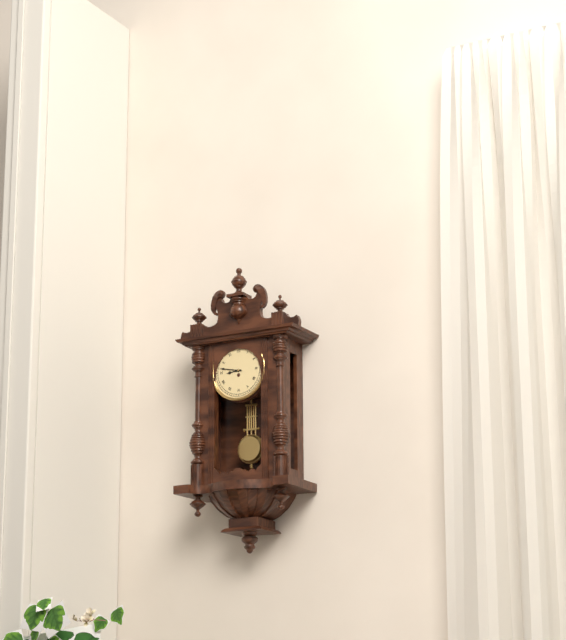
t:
8:47
